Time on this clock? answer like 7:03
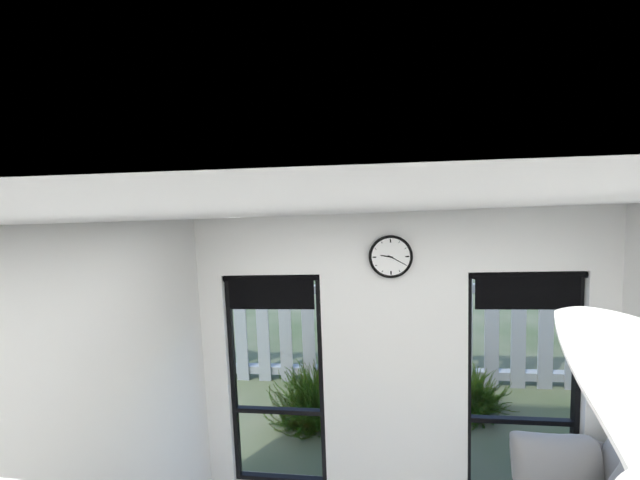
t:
9:20
